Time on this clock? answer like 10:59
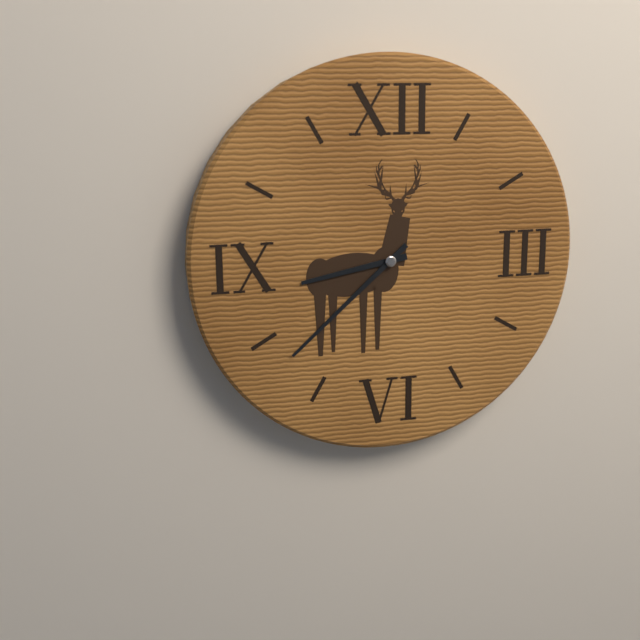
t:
8:38
